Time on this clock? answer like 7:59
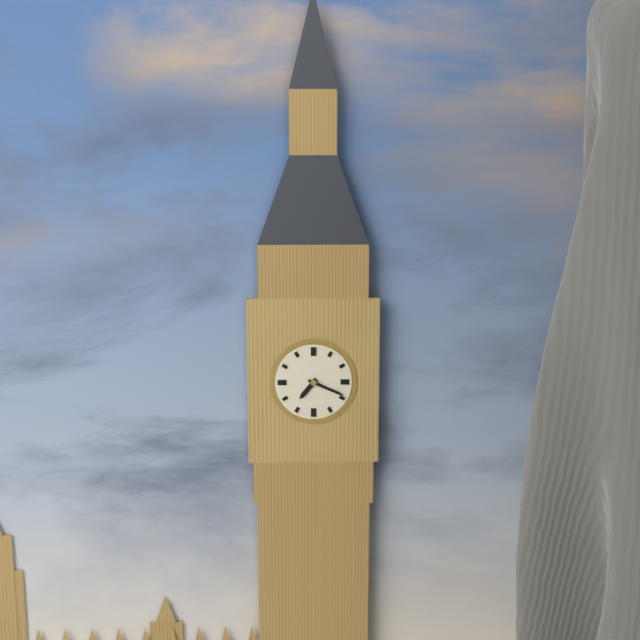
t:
7:19
